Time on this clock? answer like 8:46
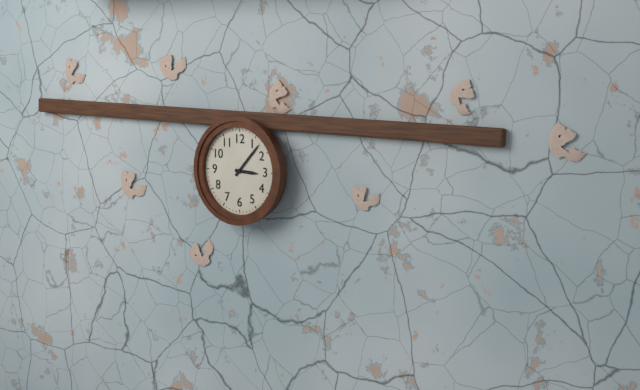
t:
3:07
